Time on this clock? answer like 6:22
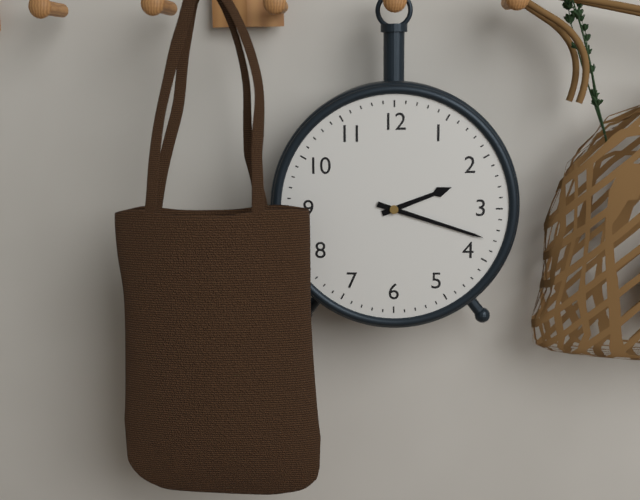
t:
2:18
